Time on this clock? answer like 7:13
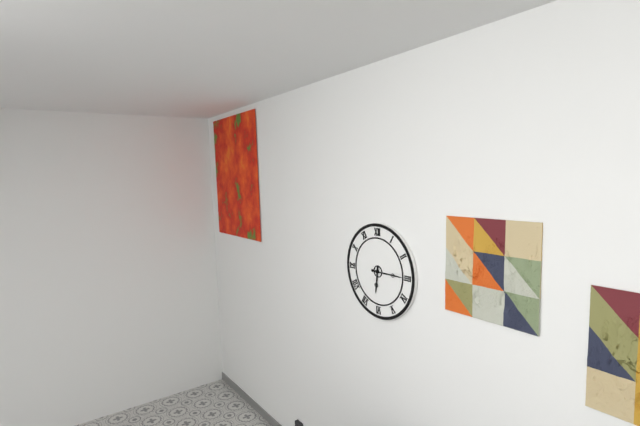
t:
6:15
